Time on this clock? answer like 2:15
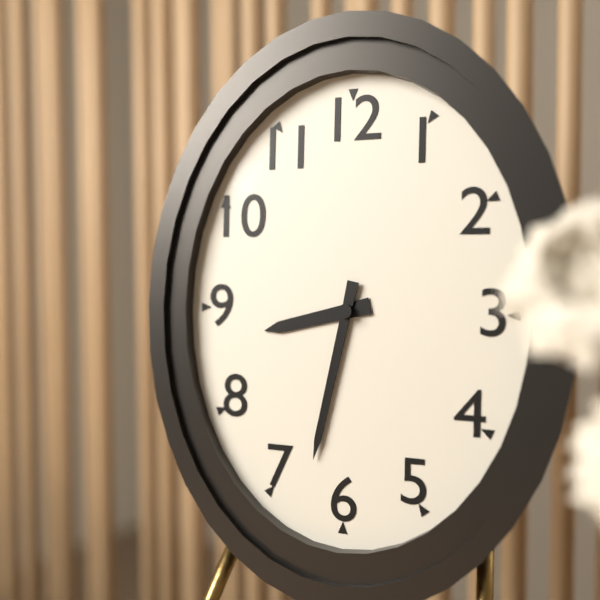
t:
8:32
